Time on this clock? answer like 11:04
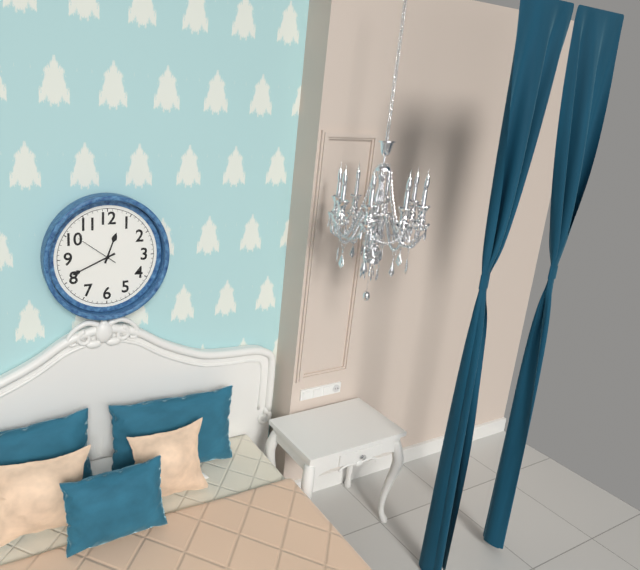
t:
12:41
